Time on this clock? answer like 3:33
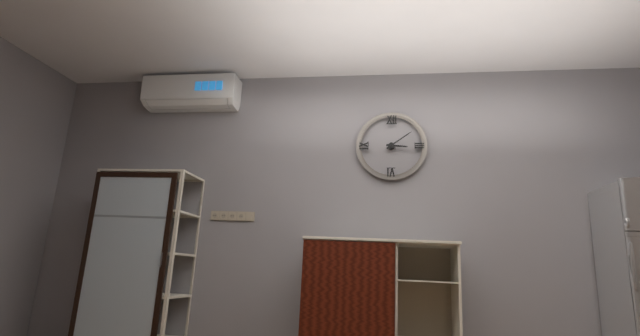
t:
3:09
